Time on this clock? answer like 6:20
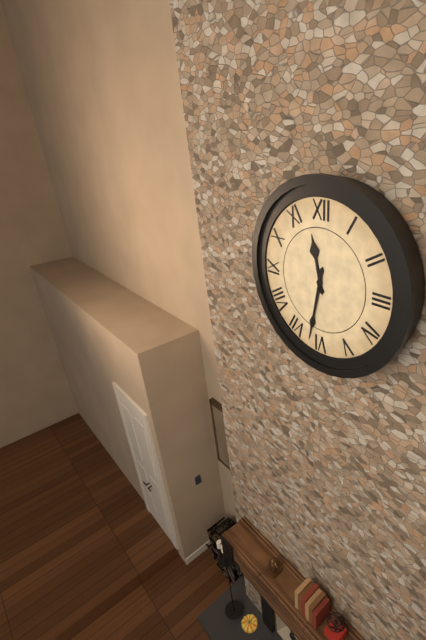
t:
11:32
